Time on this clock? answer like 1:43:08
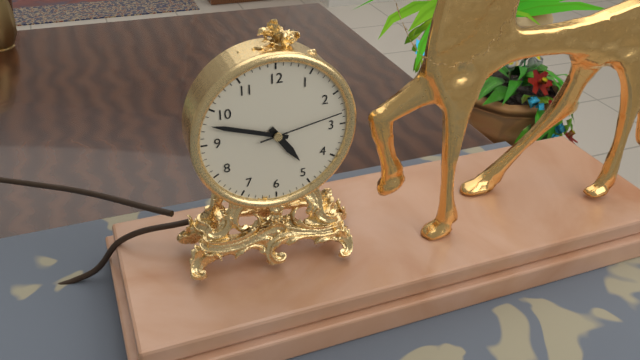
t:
4:48:13
